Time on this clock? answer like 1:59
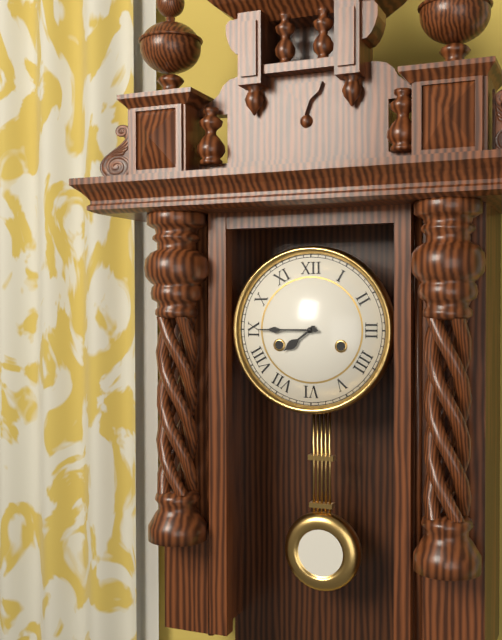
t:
7:45
